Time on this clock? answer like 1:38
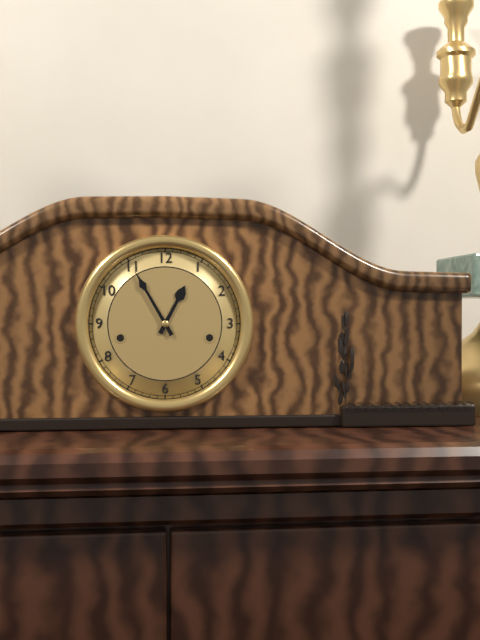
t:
12:55
